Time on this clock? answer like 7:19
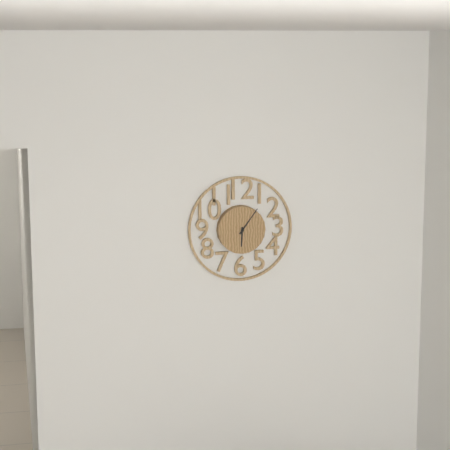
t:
6:06
